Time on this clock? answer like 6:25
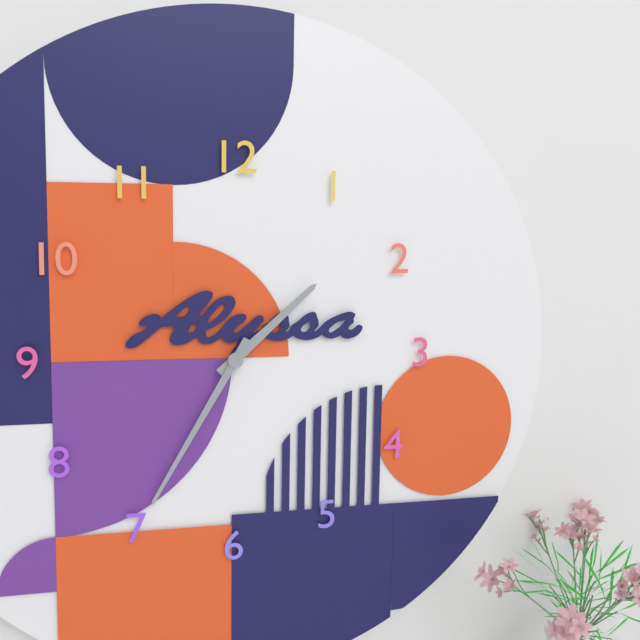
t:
1:35
